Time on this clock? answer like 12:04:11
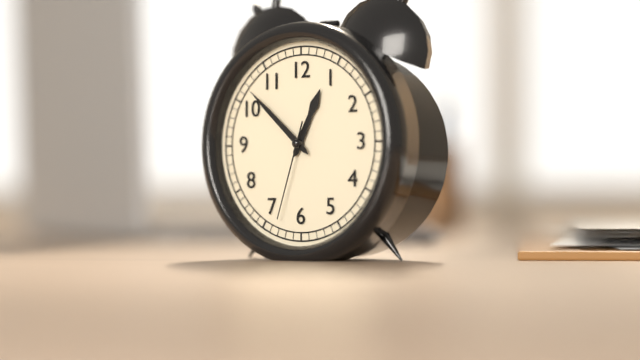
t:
12:52:33
